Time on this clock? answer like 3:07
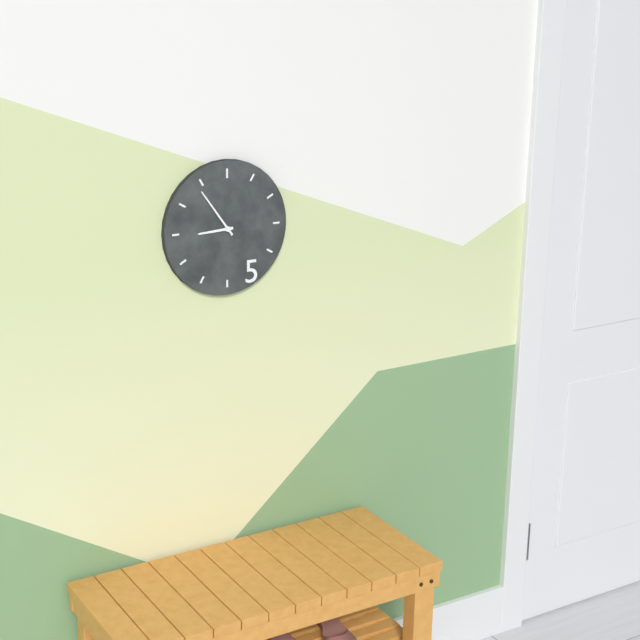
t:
8:54
